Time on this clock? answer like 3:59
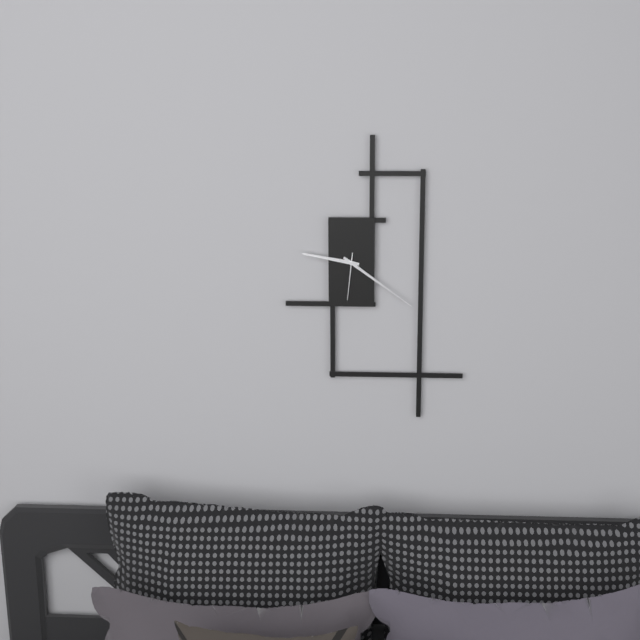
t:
9:21
